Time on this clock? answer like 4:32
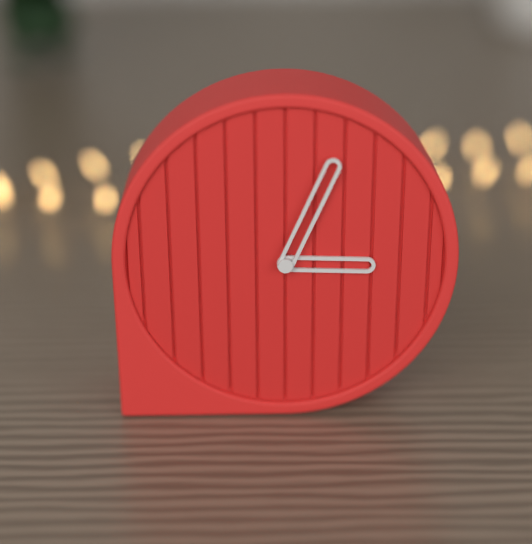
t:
3:04
